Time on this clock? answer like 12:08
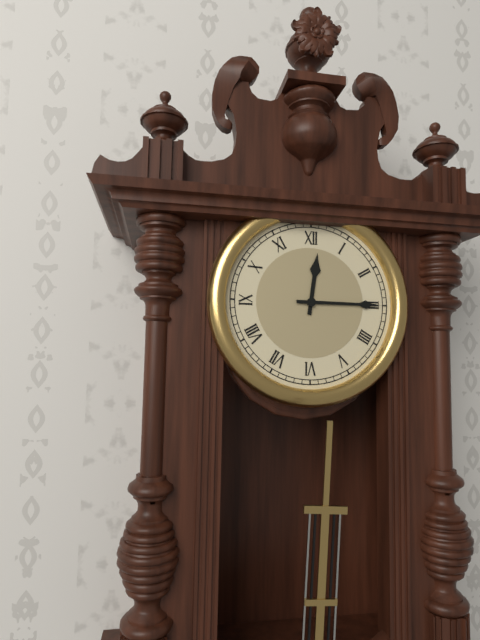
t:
12:15
